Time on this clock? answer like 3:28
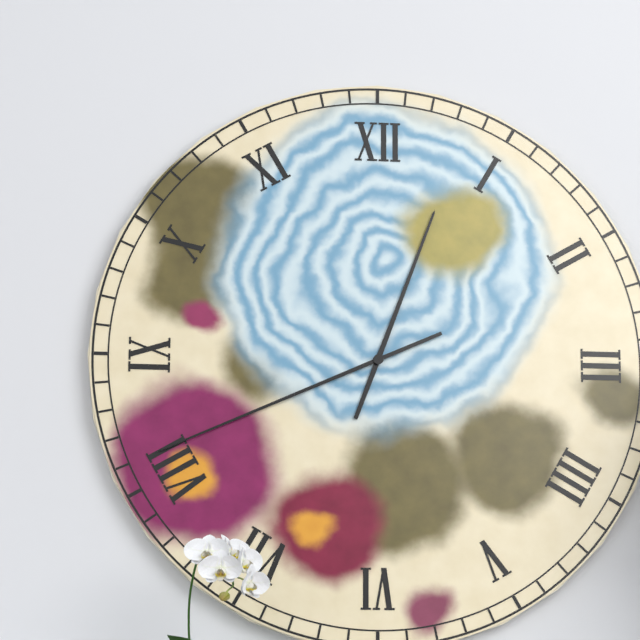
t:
12:41
